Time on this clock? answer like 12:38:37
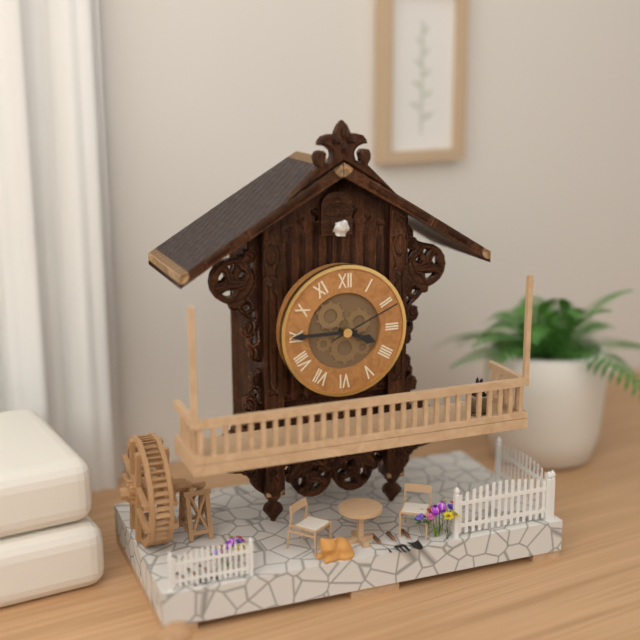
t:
3:45:11
